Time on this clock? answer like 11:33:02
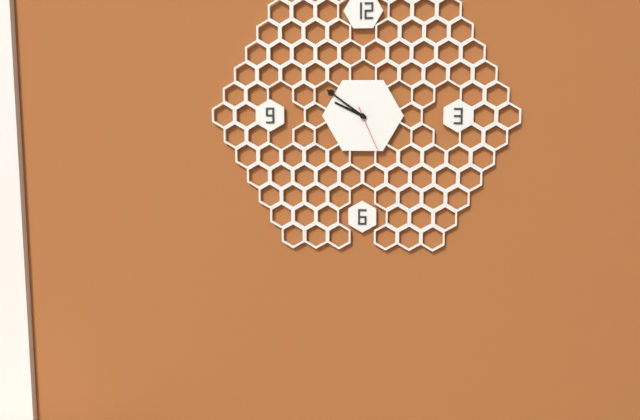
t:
9:51:26
